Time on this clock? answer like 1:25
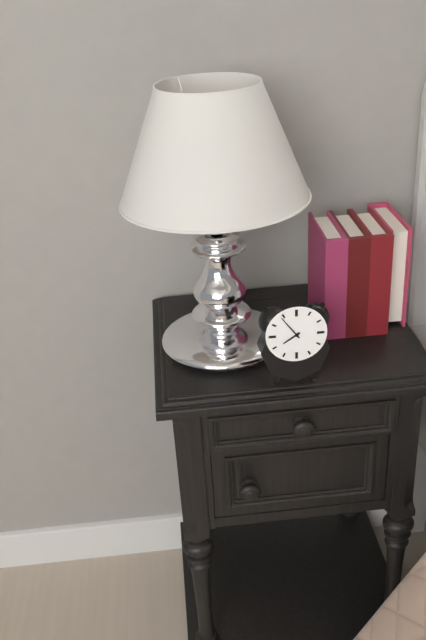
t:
7:54
